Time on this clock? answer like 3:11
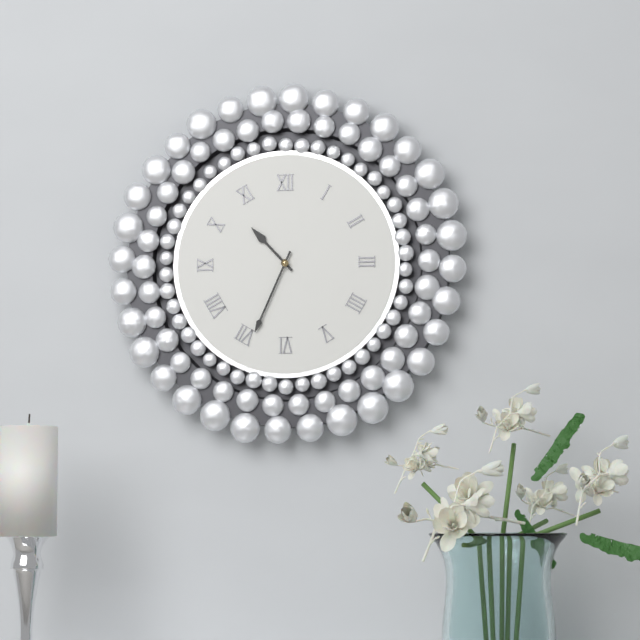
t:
10:34
